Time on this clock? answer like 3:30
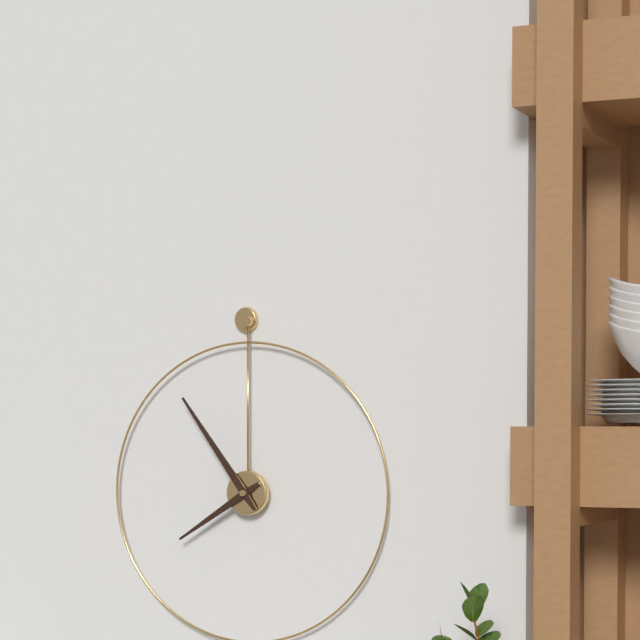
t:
7:54
